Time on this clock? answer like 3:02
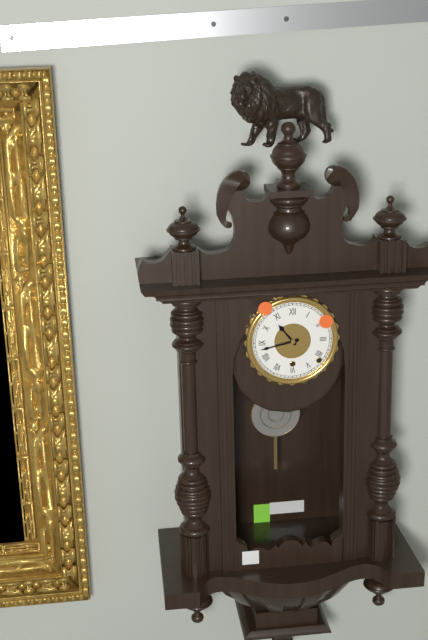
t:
10:43
